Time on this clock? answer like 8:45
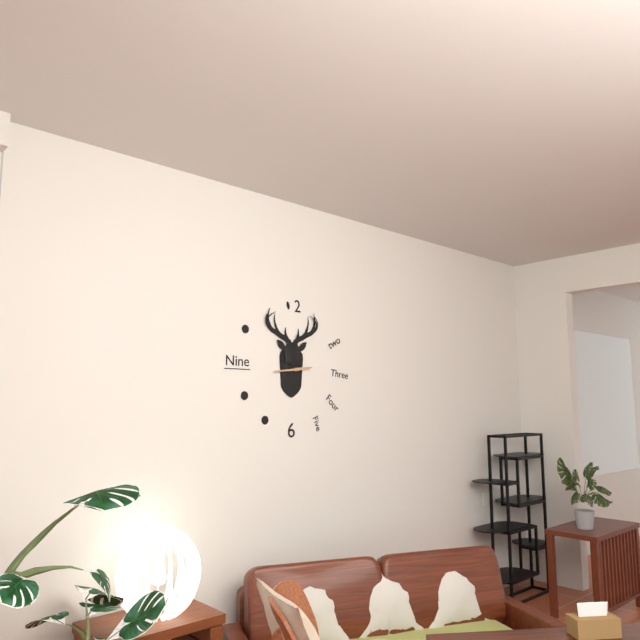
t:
2:44
